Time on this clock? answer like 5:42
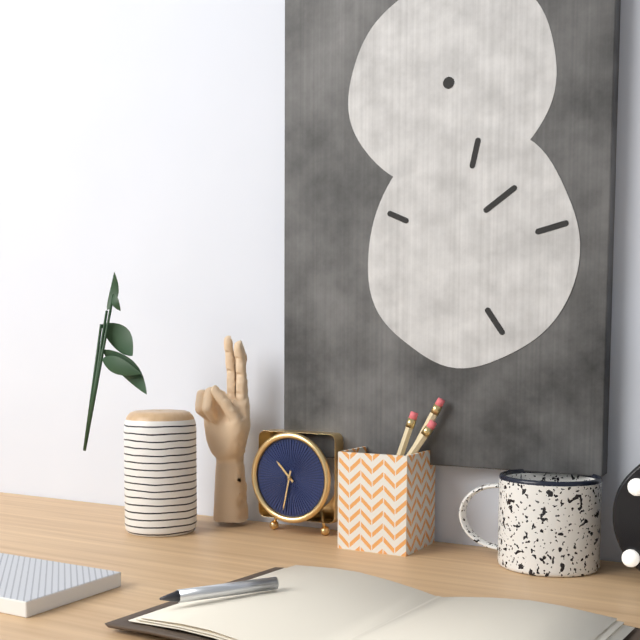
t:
10:32
